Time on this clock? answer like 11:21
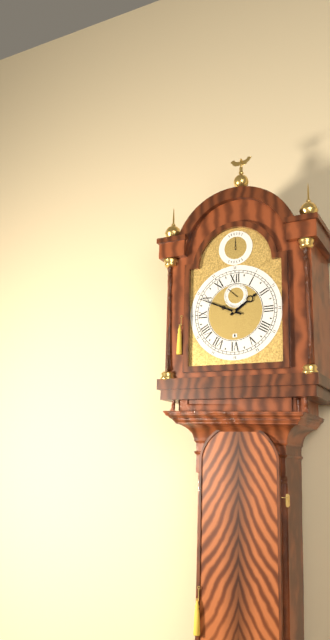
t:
1:49
